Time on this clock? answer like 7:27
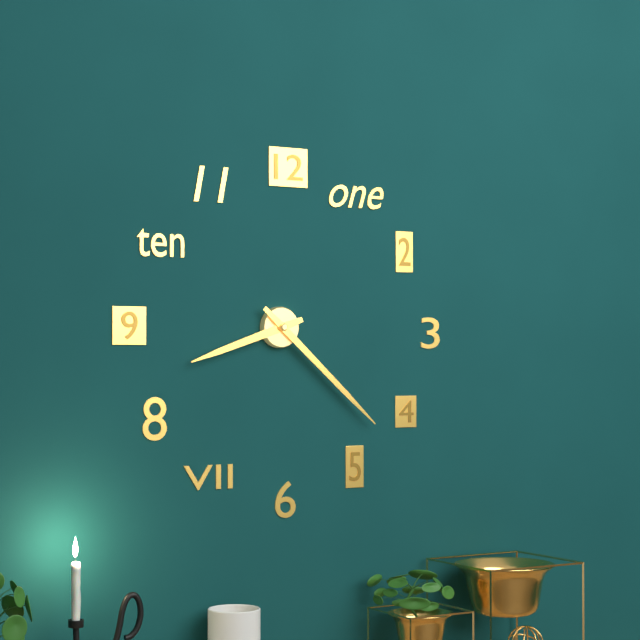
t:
8:22
